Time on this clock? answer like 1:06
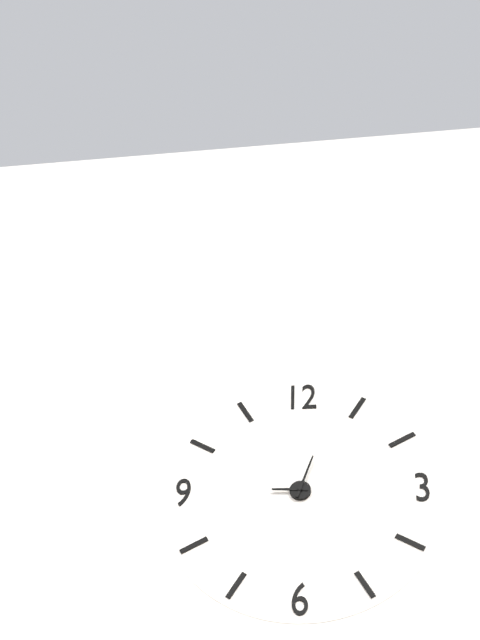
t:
9:03
